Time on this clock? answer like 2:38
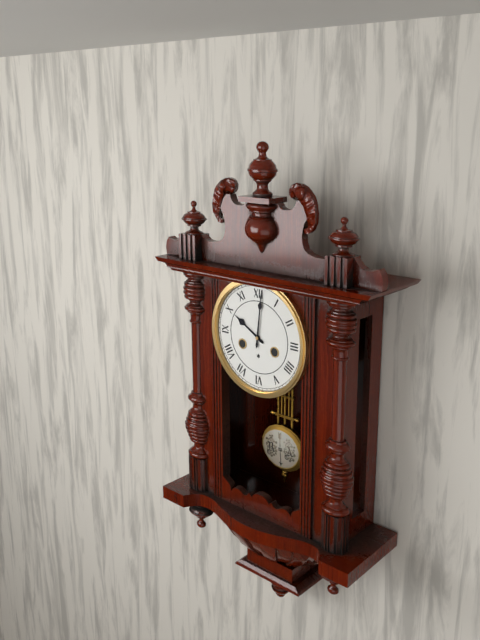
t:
10:01
